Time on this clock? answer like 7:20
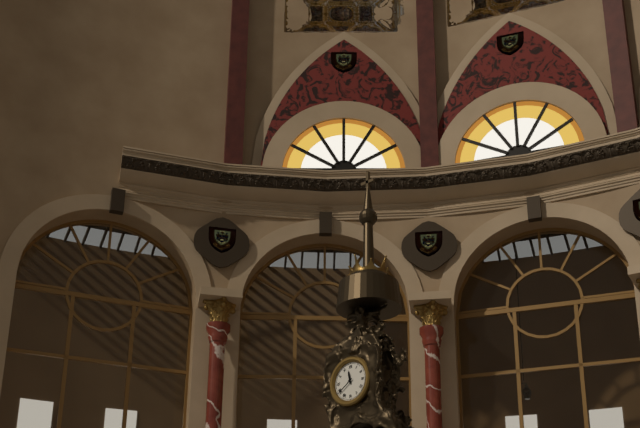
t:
11:39
